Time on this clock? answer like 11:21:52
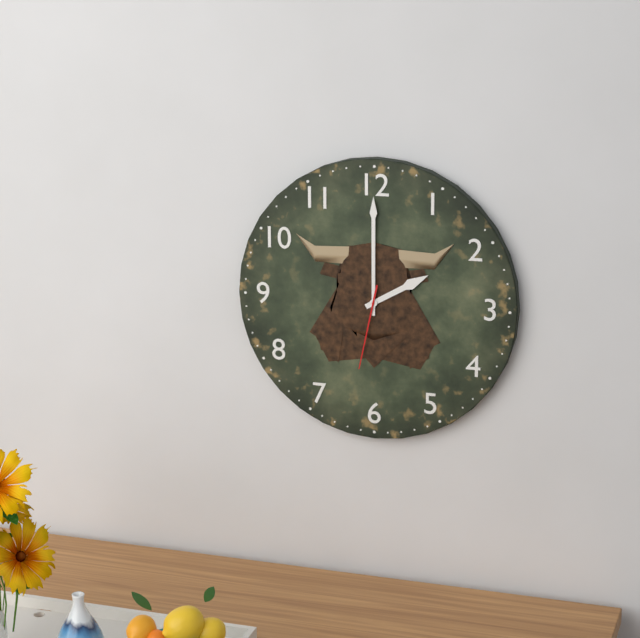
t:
2:00:32
